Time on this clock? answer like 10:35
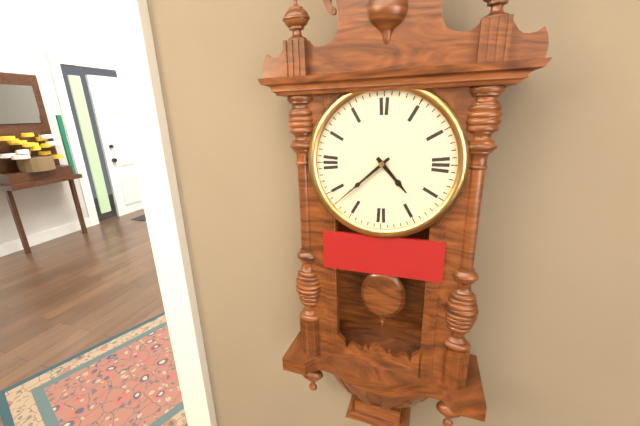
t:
4:38
